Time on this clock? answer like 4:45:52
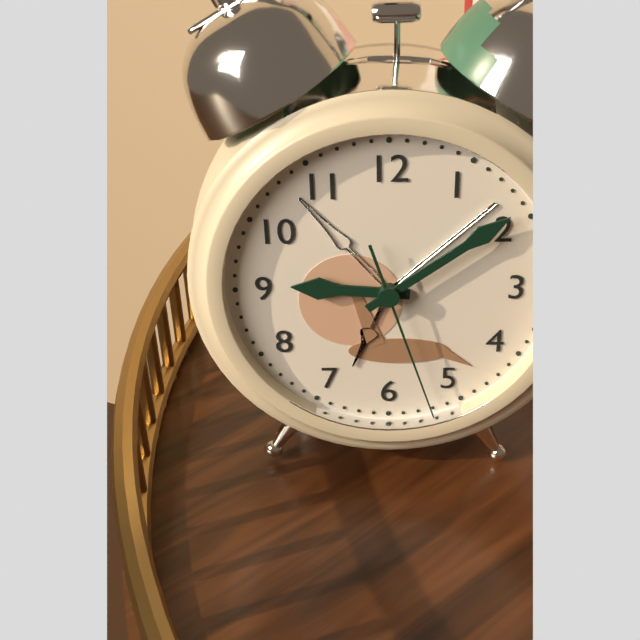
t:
9:09:27
